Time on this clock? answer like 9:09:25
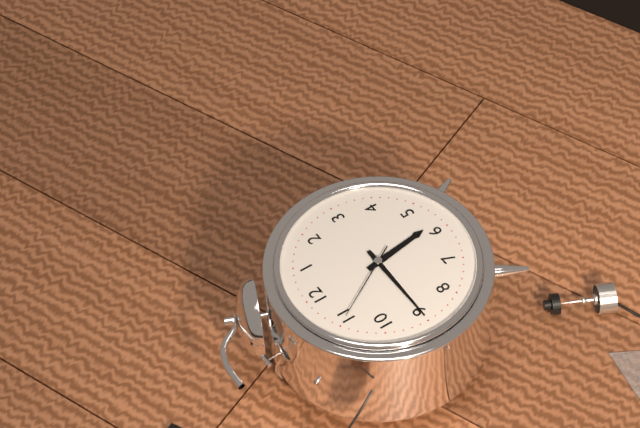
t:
5:45:55
